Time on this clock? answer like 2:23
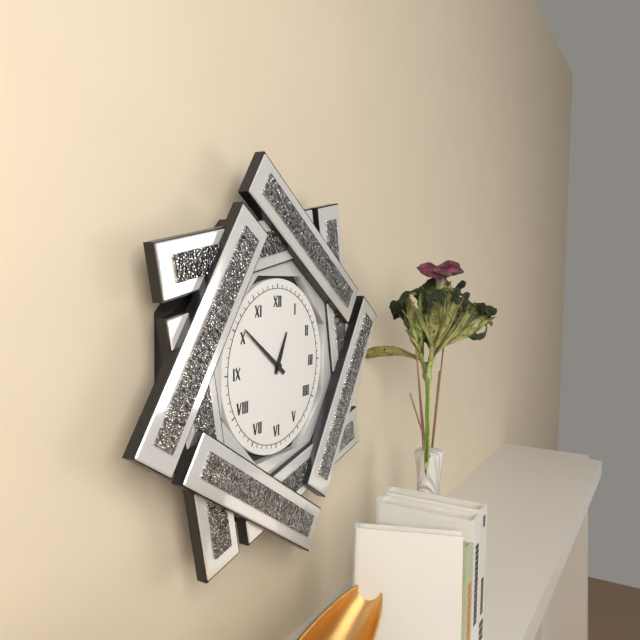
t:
12:51
